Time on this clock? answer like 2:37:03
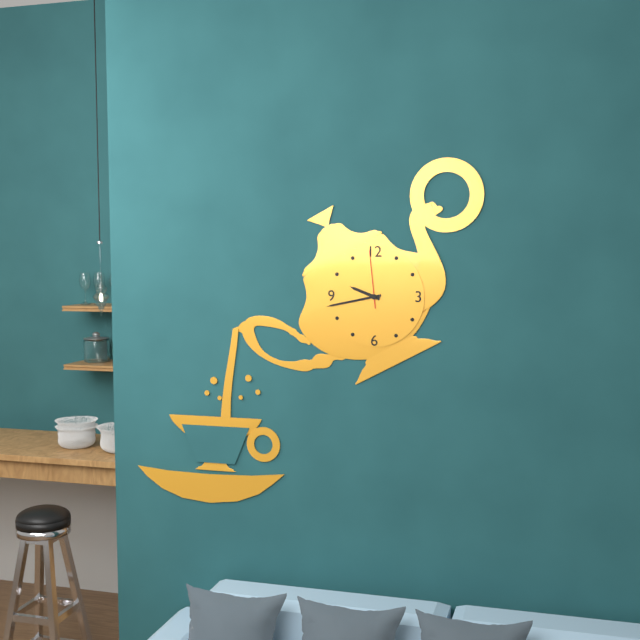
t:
9:43:59
